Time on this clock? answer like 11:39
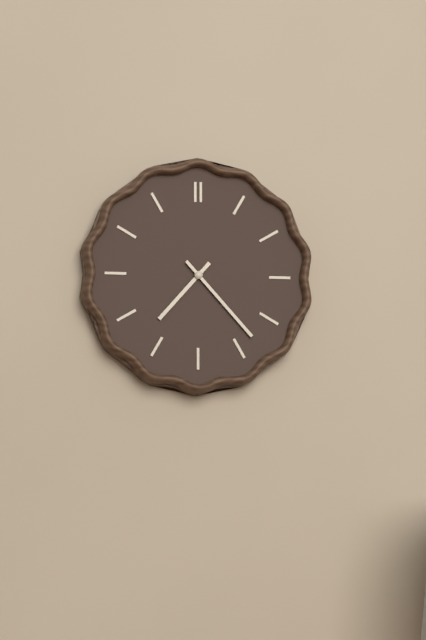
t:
7:23
